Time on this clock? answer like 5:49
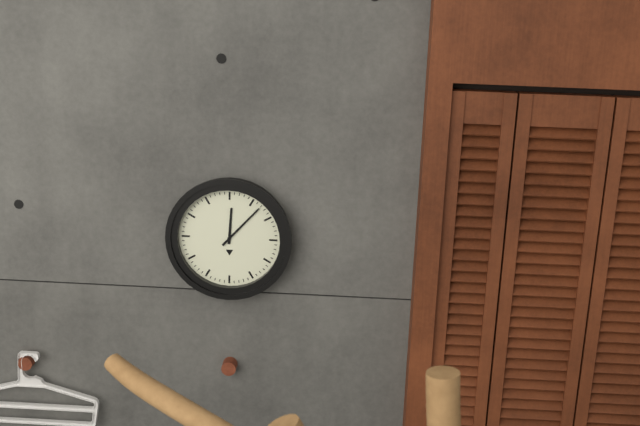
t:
12:07
